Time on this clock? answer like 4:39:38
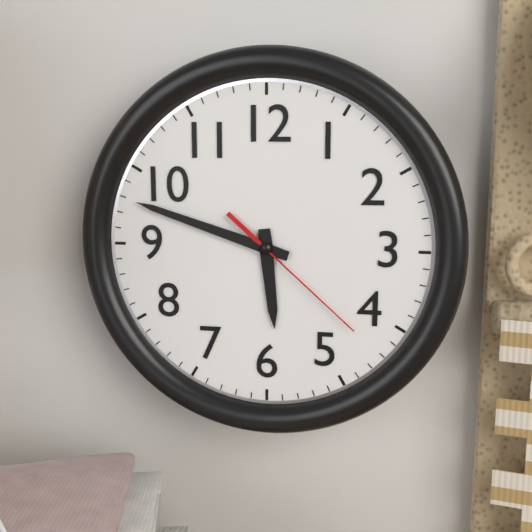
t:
5:48:22
